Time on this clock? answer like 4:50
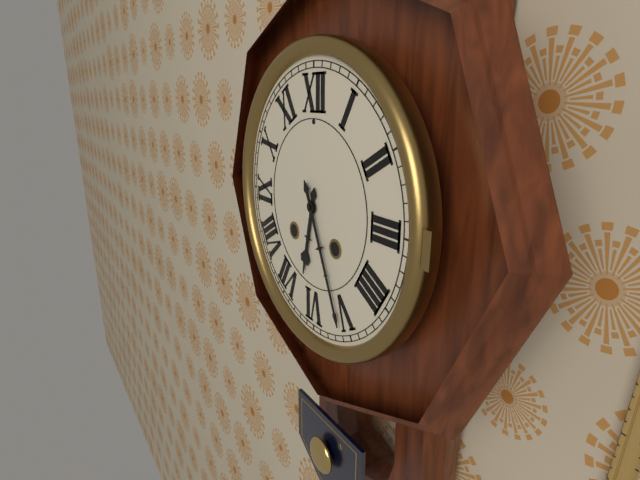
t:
6:26
